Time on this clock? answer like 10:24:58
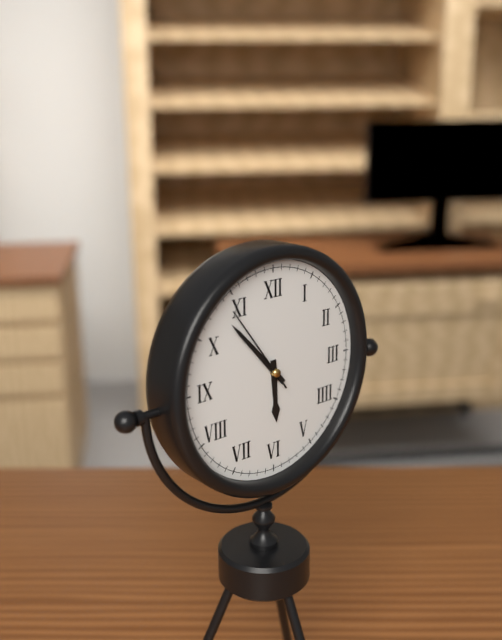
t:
5:53:54
